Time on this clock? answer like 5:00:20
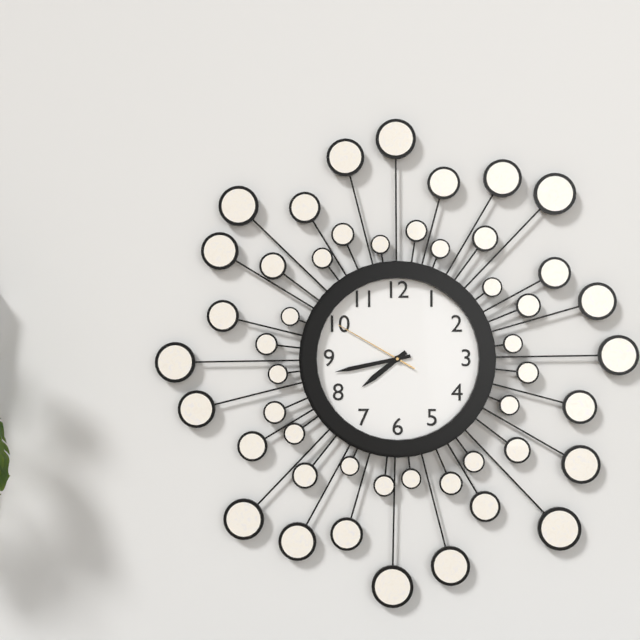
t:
7:43:50
